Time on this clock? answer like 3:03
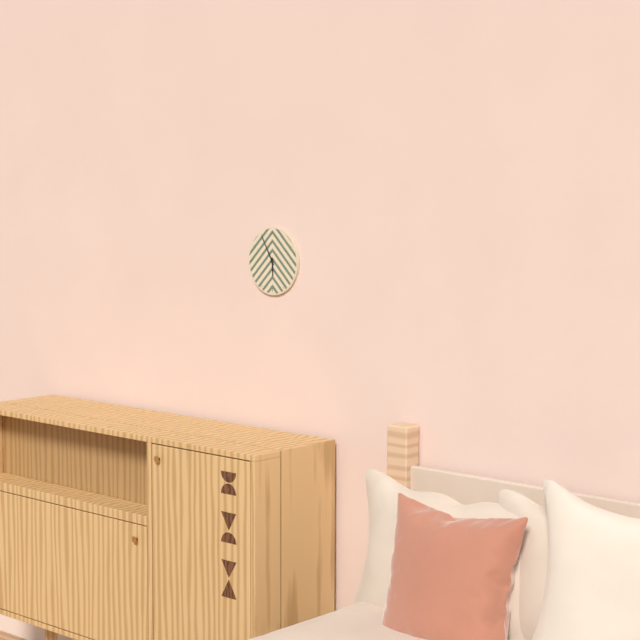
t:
5:55
